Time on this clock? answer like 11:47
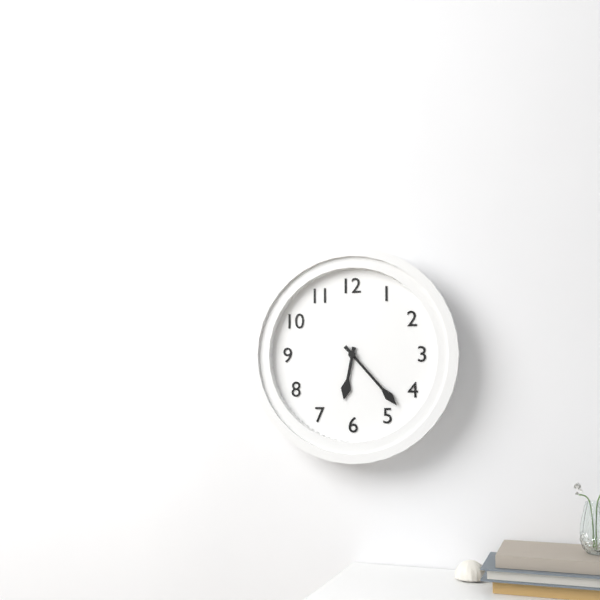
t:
6:23
